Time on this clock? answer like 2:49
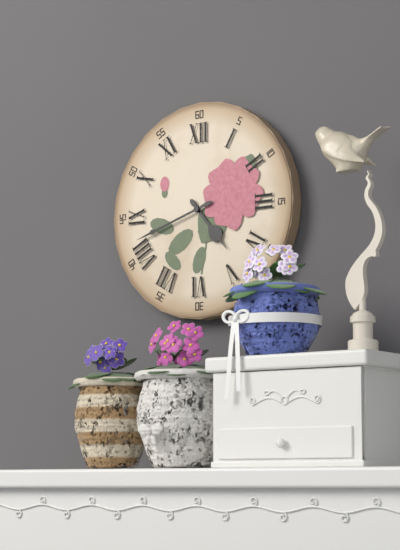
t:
4:42
